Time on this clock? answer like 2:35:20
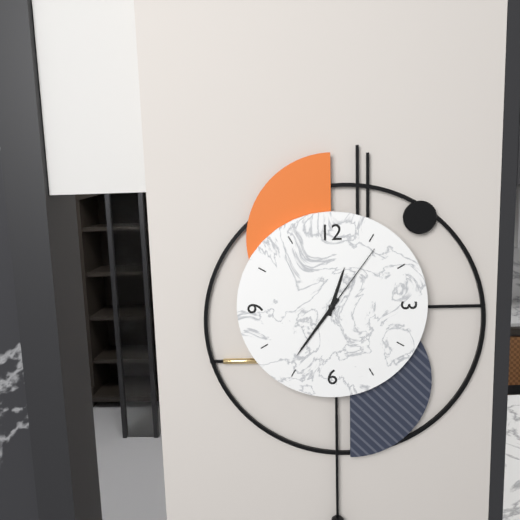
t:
12:36:06
